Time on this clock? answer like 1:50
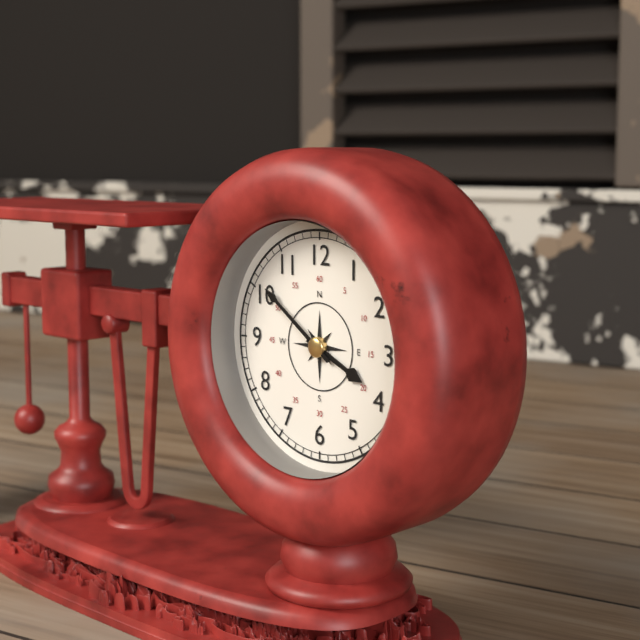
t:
3:51
